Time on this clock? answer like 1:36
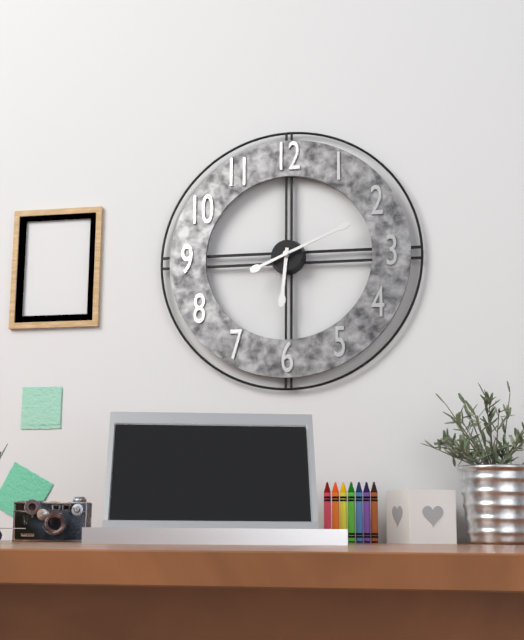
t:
6:11
